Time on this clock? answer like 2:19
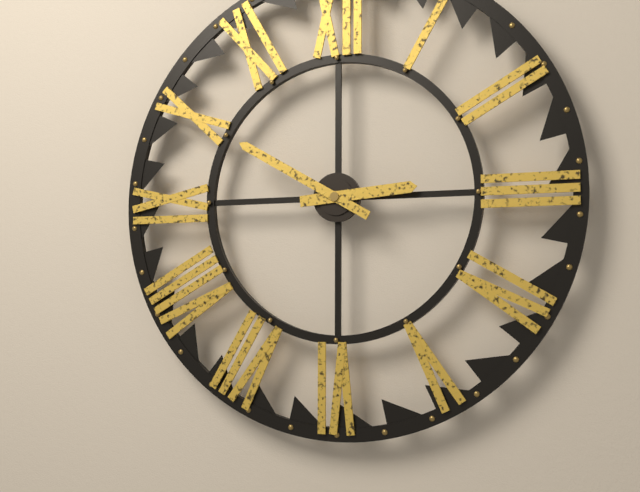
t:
2:50
